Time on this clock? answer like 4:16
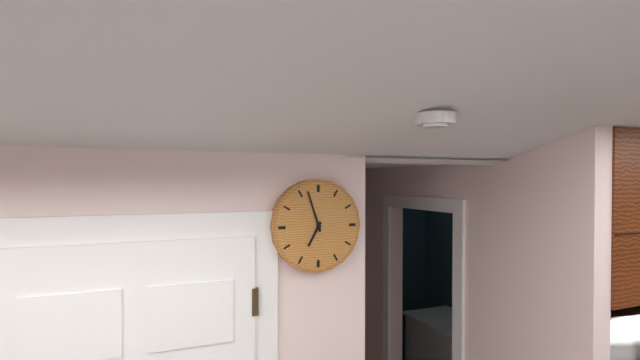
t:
6:57
